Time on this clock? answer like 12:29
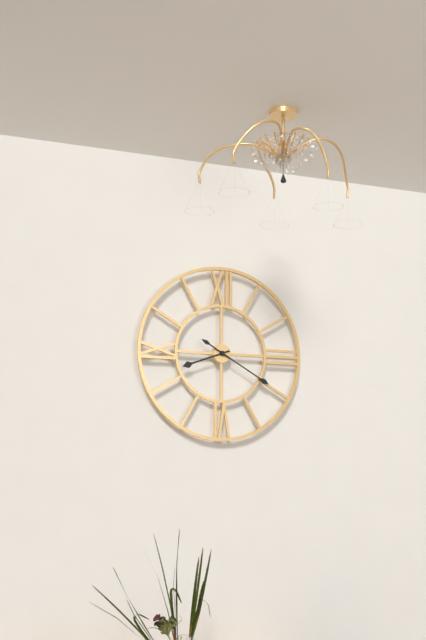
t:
8:20
